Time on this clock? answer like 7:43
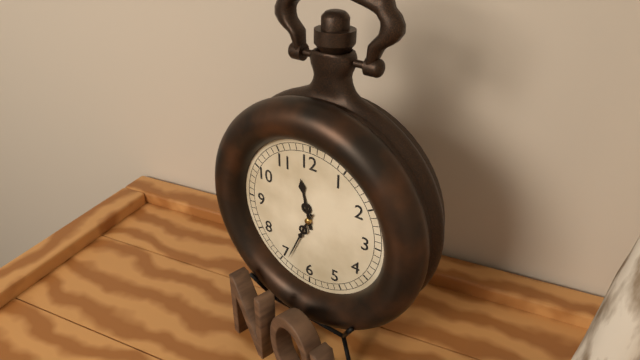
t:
11:34
